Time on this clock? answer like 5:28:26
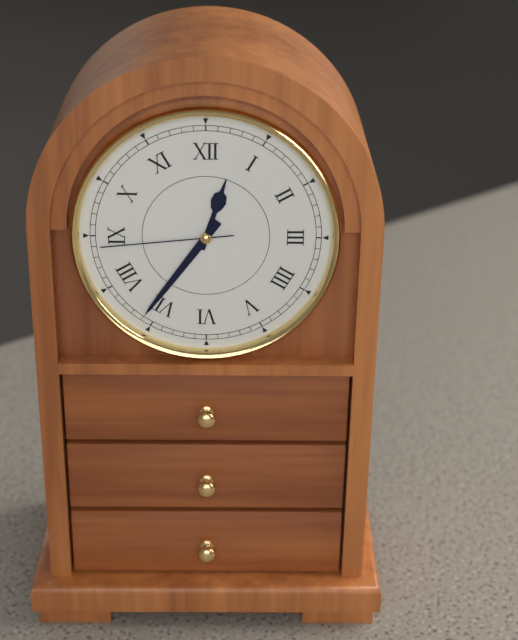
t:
12:36:44
